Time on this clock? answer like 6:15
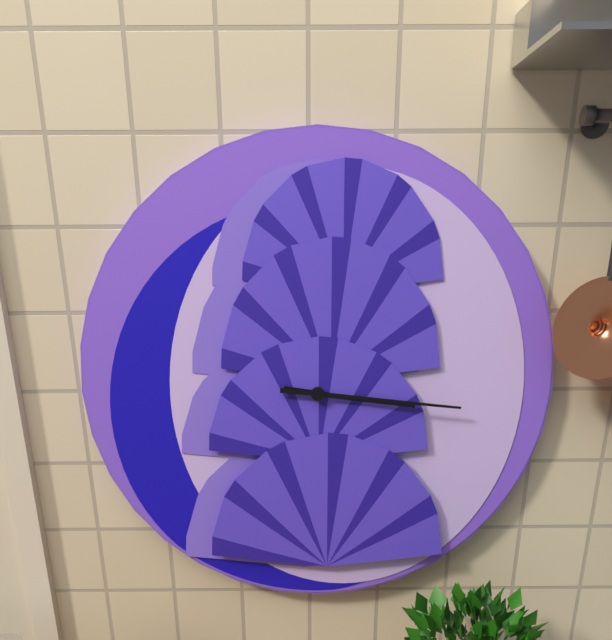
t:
3:16
